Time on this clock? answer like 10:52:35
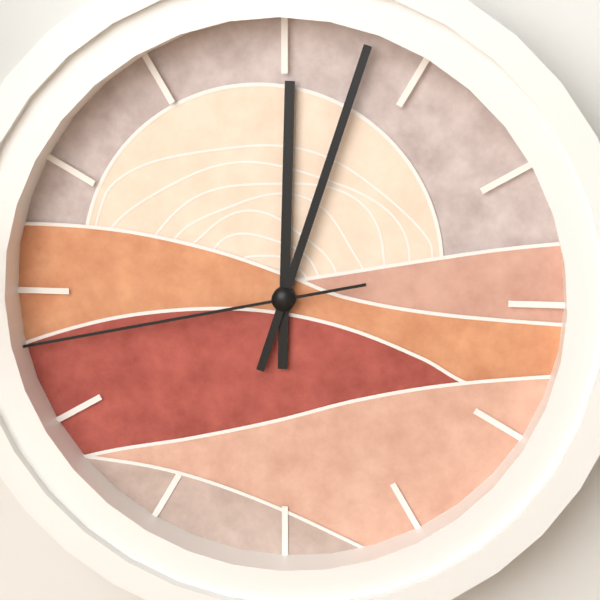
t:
12:03:43
